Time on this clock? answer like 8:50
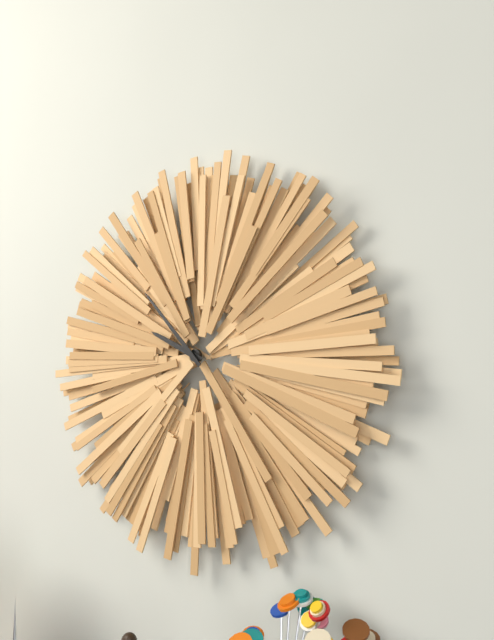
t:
9:53
